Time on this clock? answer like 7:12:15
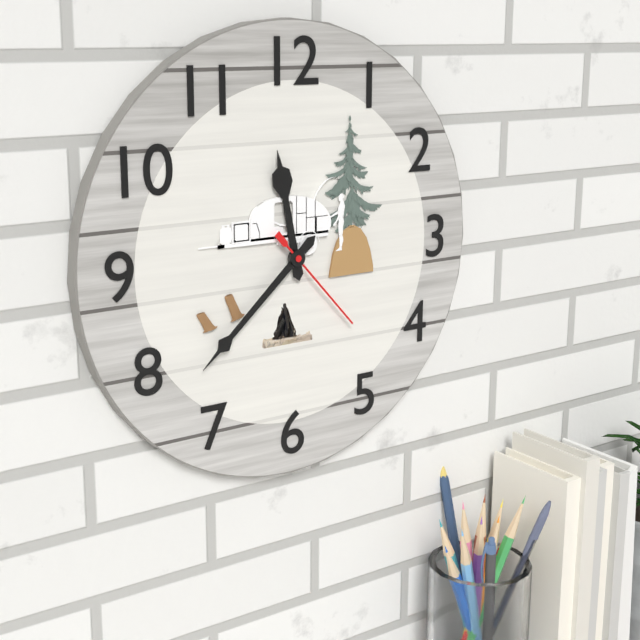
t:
11:38:23
